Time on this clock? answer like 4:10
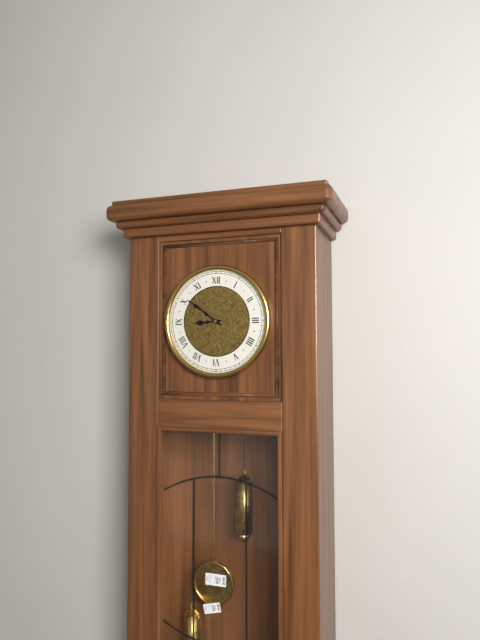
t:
8:51
